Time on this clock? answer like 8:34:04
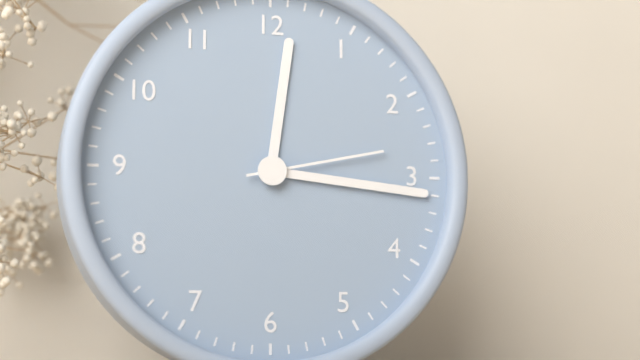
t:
12:16:13
